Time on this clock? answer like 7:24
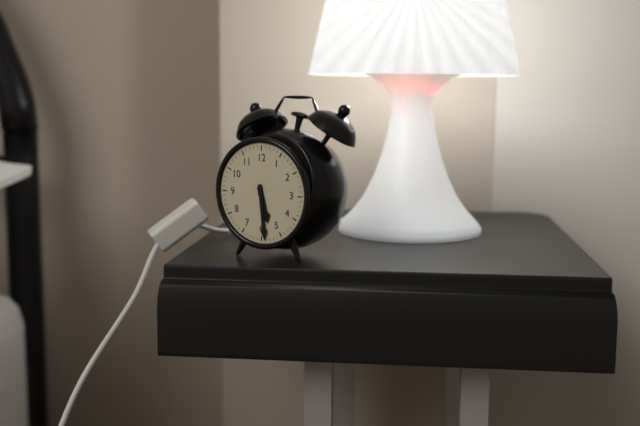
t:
5:29
